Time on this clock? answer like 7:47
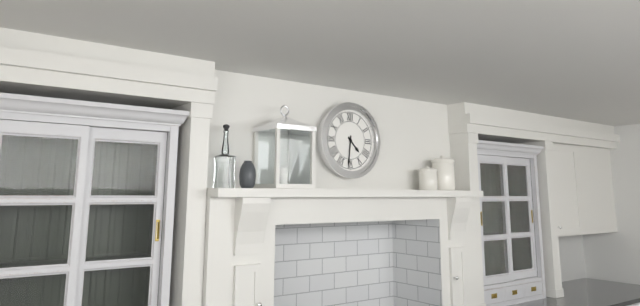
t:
4:31
